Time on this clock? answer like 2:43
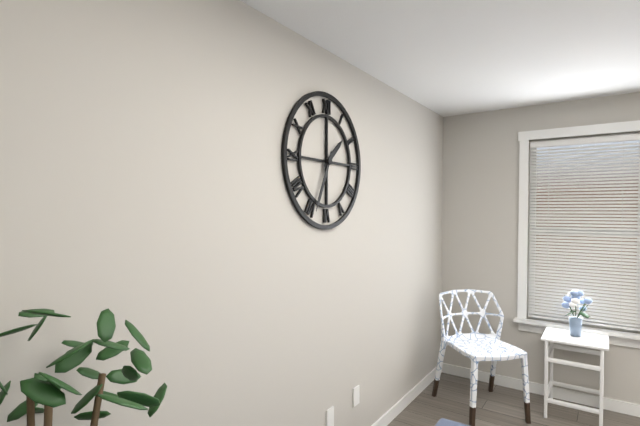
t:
1:34
